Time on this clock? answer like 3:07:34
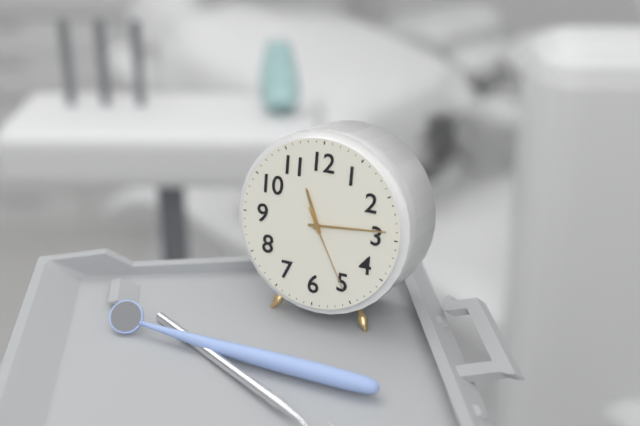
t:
11:14:25
